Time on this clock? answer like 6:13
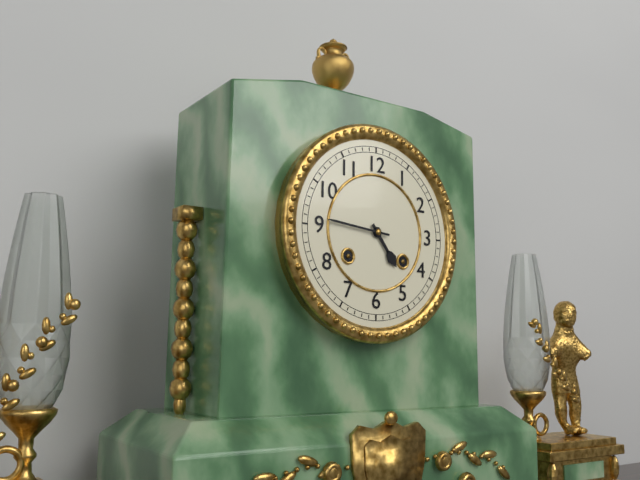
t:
4:46
